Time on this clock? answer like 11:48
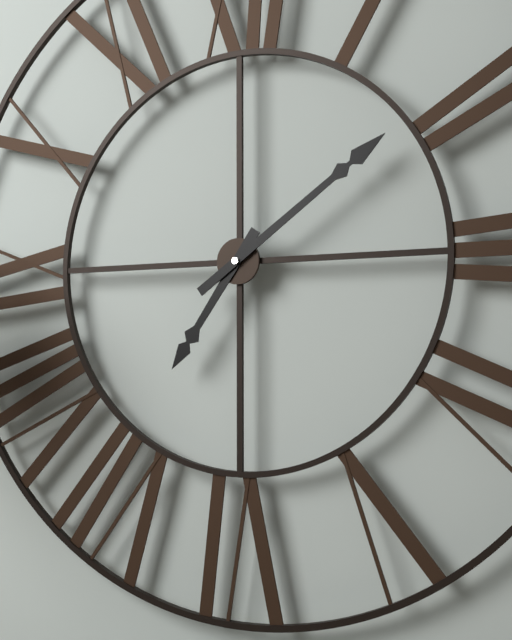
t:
7:09
